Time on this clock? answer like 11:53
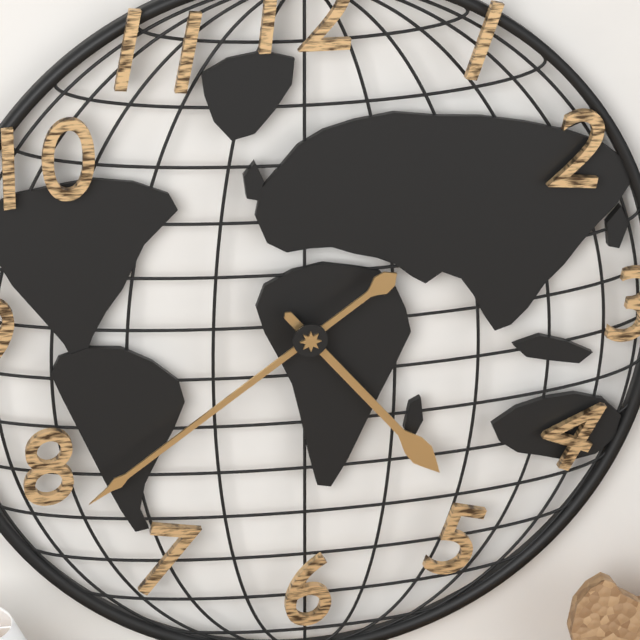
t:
4:39
